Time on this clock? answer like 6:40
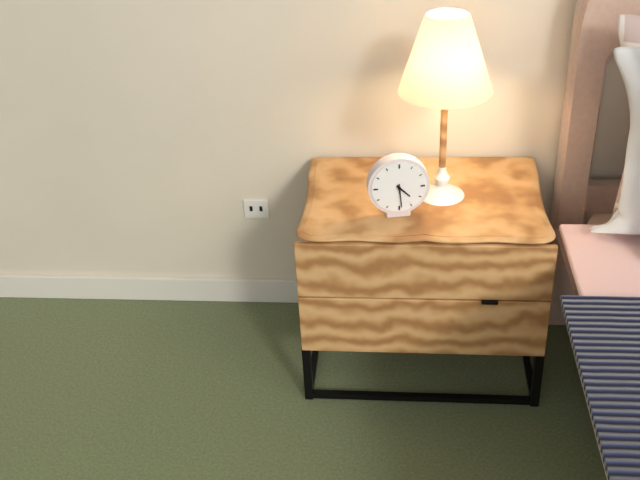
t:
4:29
